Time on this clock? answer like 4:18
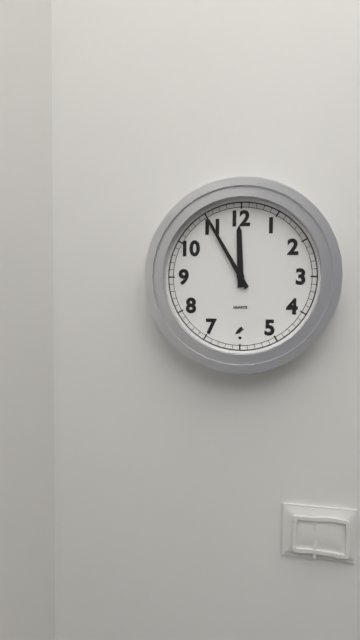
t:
11:55
